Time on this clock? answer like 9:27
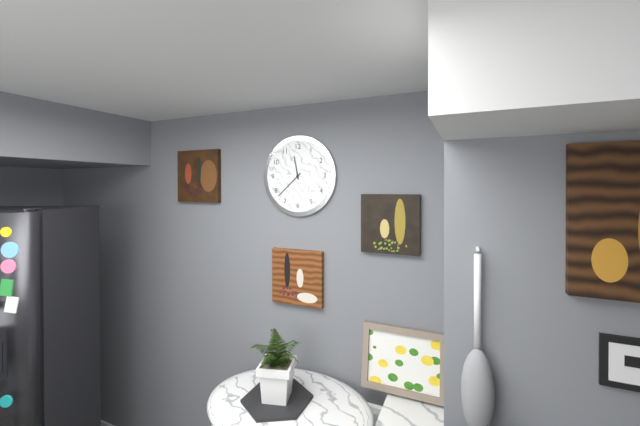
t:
11:38
